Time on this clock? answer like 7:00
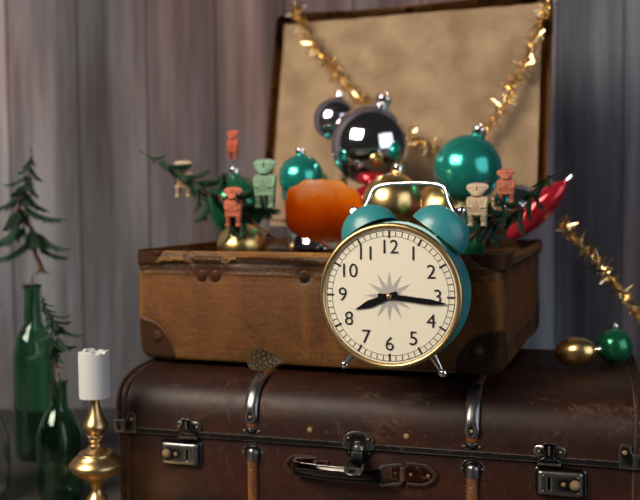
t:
8:16
